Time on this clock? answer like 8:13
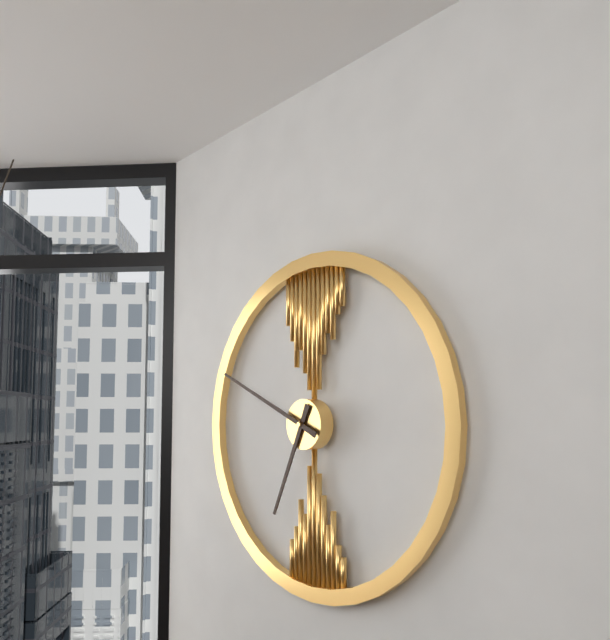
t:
6:49
